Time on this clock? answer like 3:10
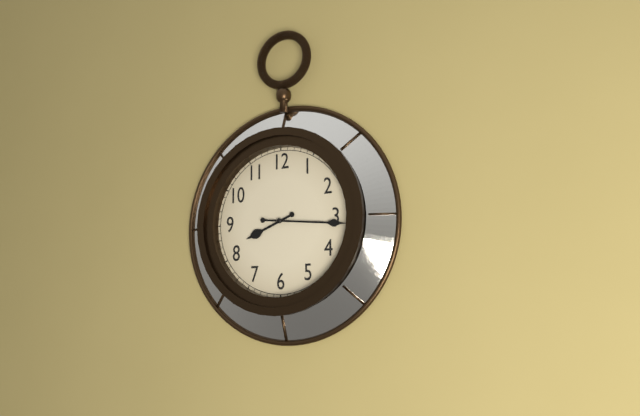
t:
8:16
